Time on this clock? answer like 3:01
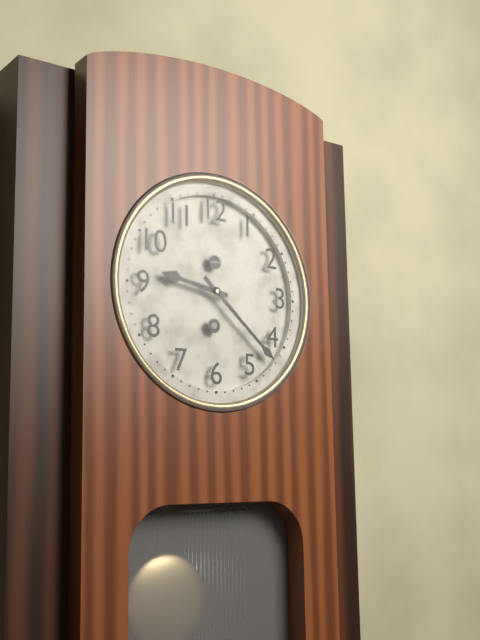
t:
9:22
